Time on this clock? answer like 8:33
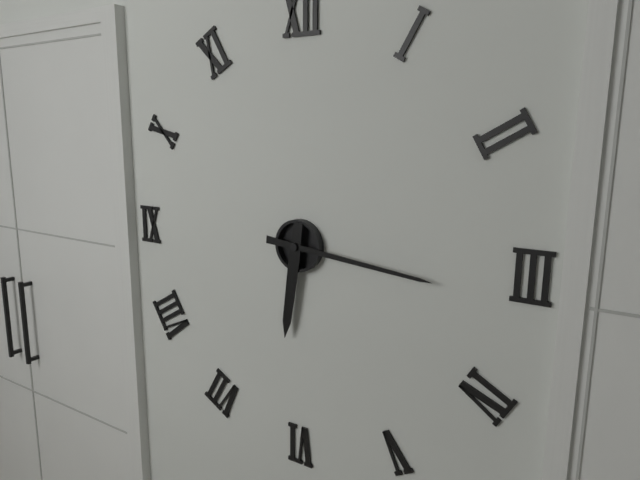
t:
6:16
